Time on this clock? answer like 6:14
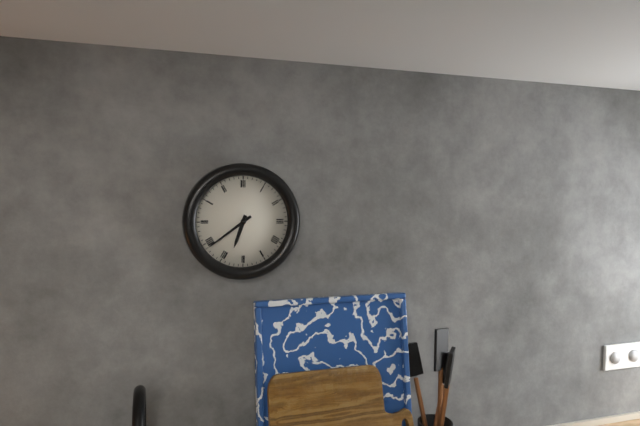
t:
6:39
